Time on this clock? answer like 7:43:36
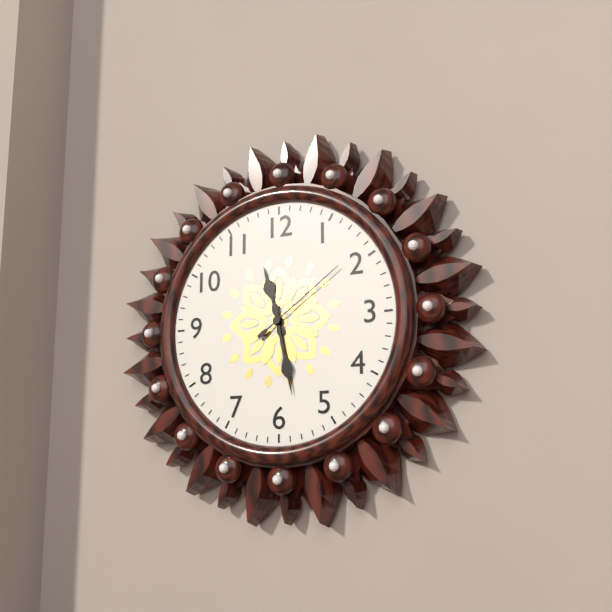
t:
11:28:09
